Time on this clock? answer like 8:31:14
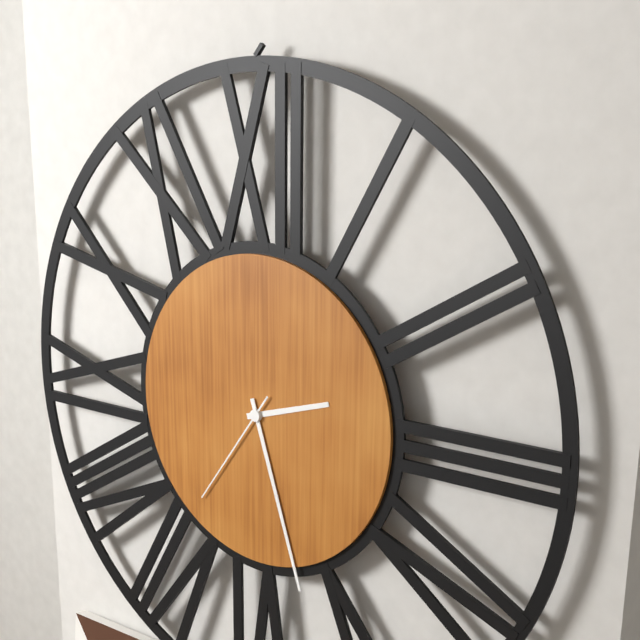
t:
2:27:36
